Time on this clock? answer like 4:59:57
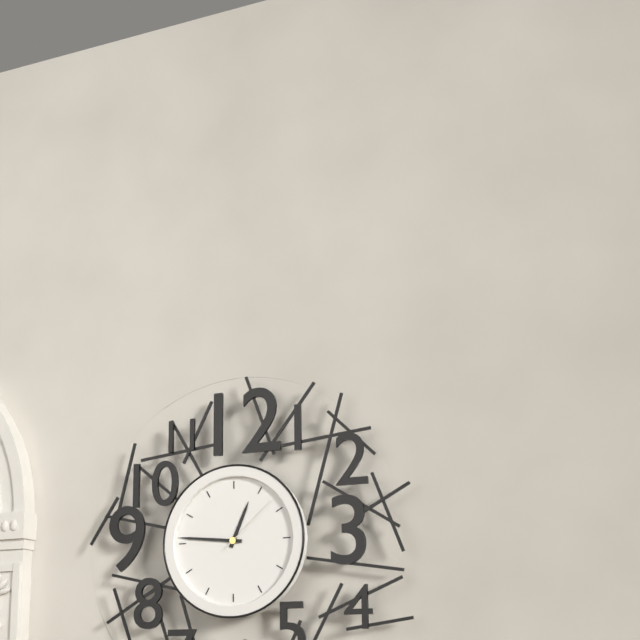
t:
12:46:08
